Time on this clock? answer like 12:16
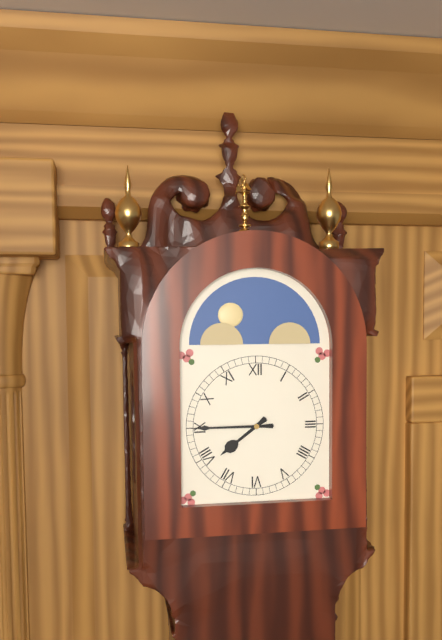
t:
7:45
